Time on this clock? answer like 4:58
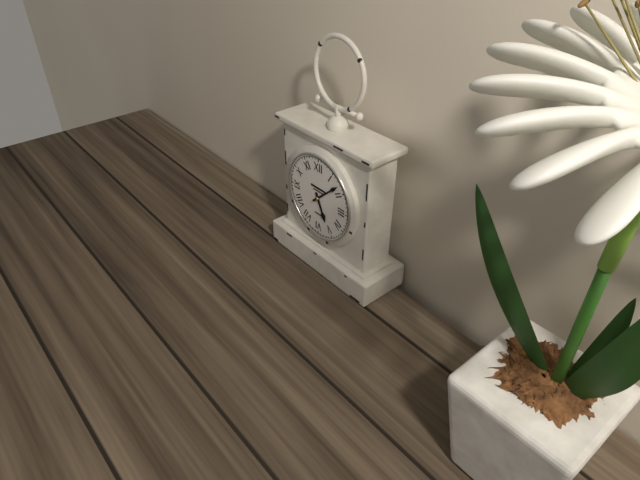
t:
5:08
